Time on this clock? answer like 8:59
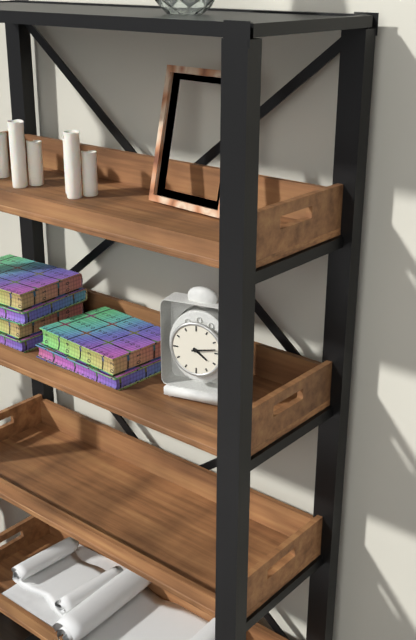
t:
4:13
